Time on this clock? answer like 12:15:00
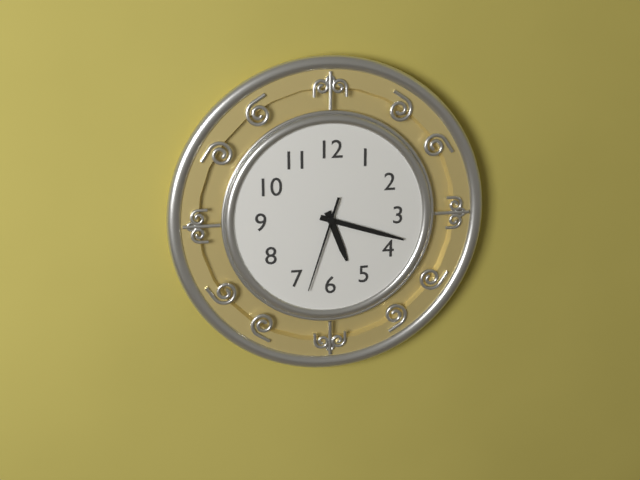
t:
5:18:33
